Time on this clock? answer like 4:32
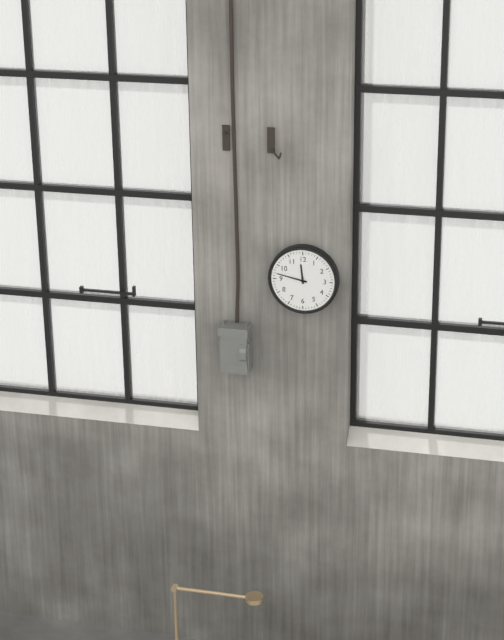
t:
11:47
